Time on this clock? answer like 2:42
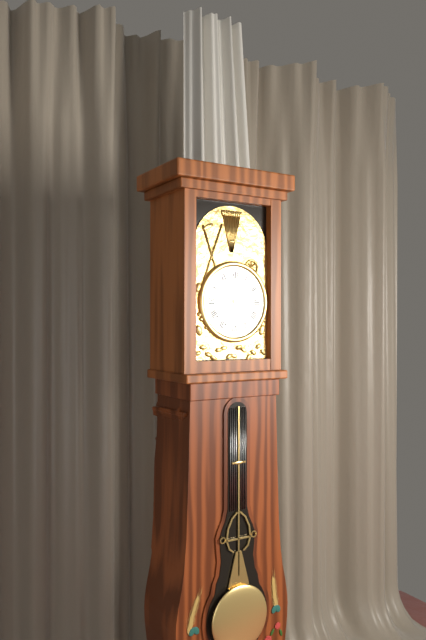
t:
9:46
